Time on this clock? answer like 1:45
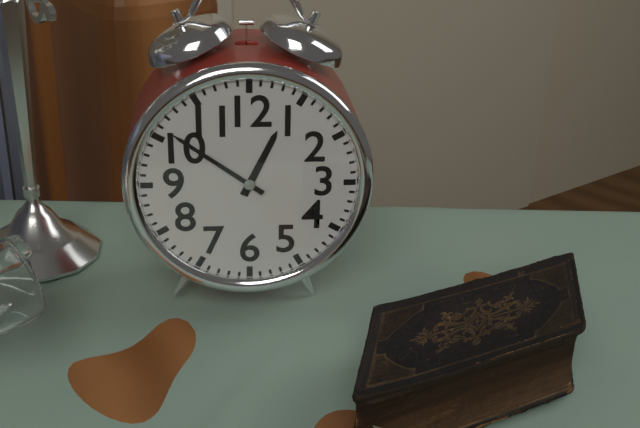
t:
12:51
